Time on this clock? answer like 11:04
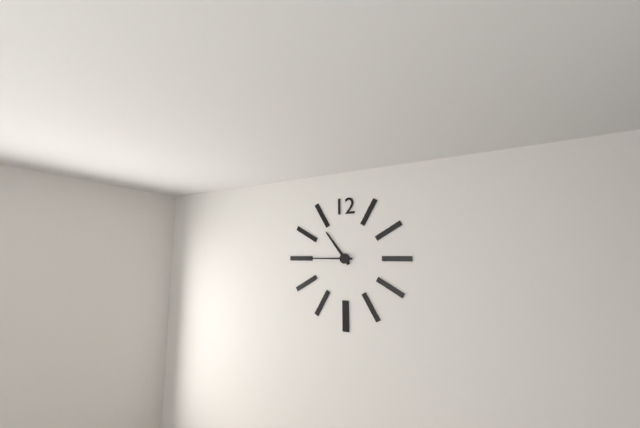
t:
10:45
